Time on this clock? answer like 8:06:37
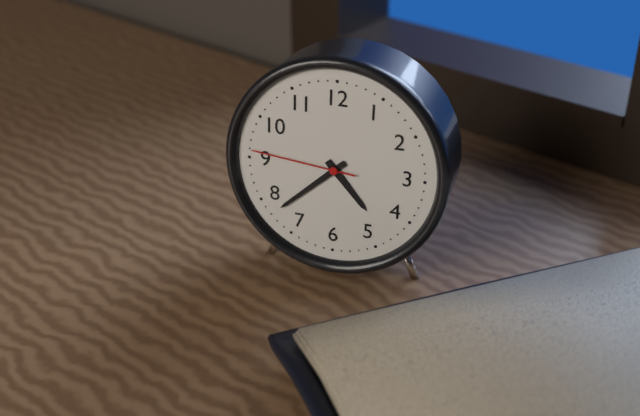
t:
4:38:46
